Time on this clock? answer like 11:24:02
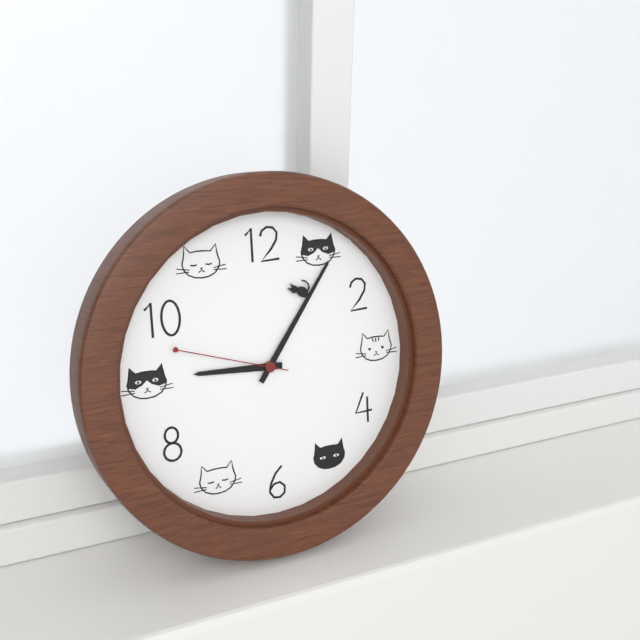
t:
9:06:48
